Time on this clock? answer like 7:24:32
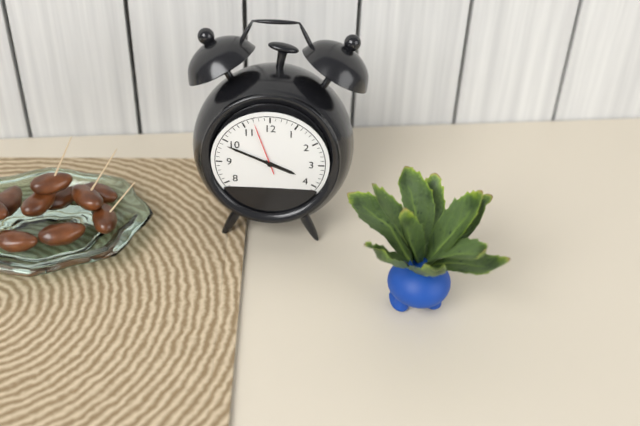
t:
3:49:57
